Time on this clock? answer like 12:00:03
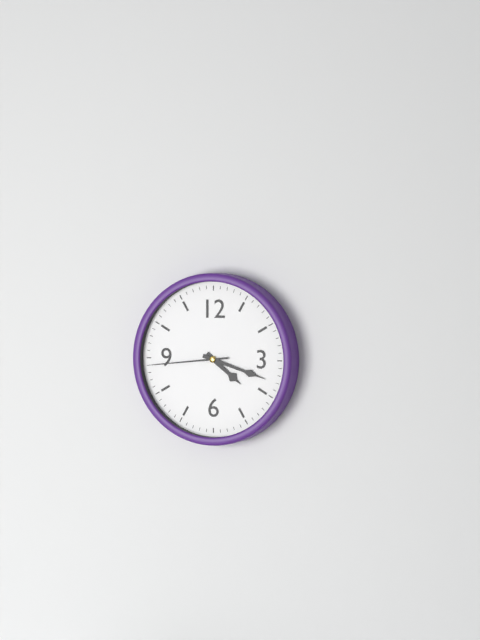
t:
4:18:44
